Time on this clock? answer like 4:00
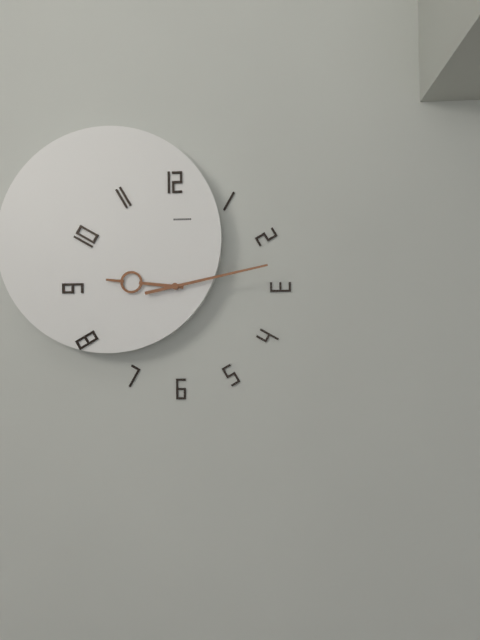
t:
9:13
